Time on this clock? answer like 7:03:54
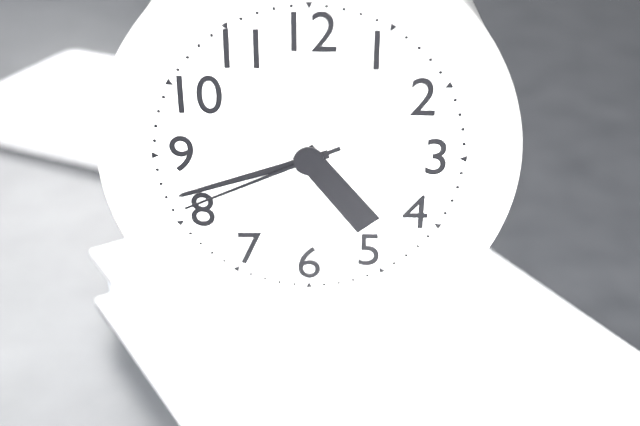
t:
4:42:41
